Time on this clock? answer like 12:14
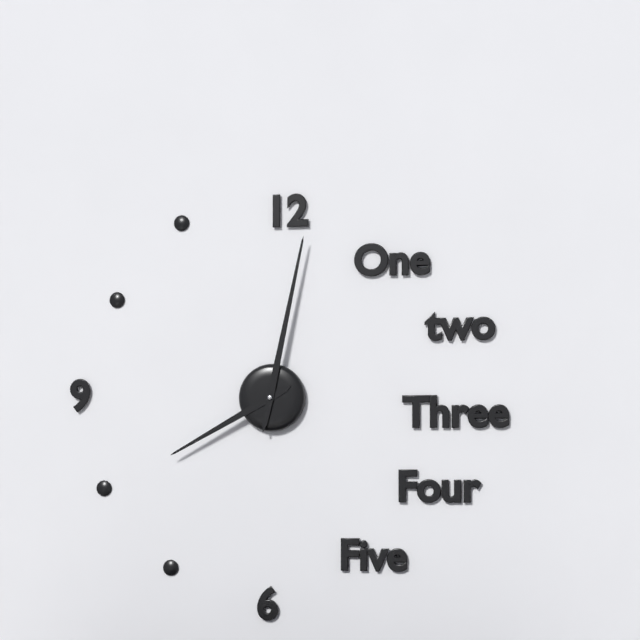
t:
8:02
